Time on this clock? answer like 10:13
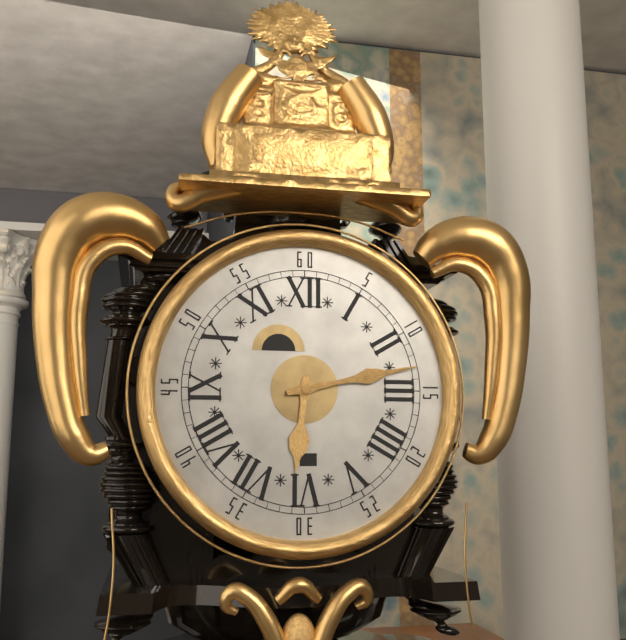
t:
6:13
